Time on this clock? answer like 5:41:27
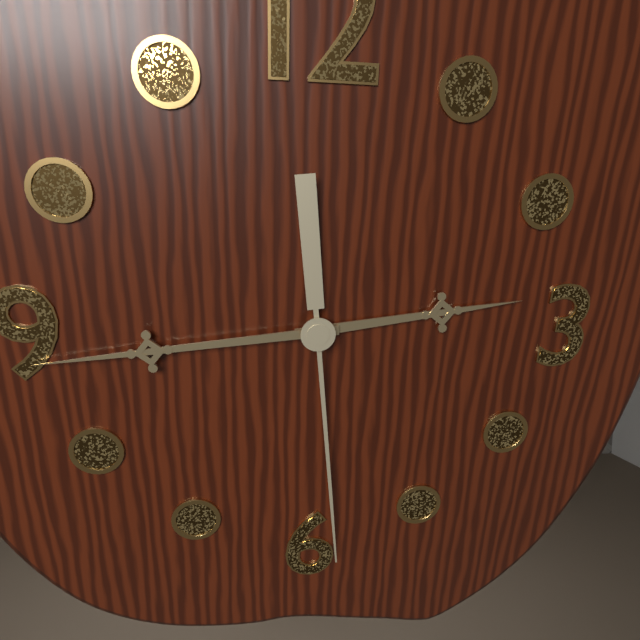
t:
2:44:29
